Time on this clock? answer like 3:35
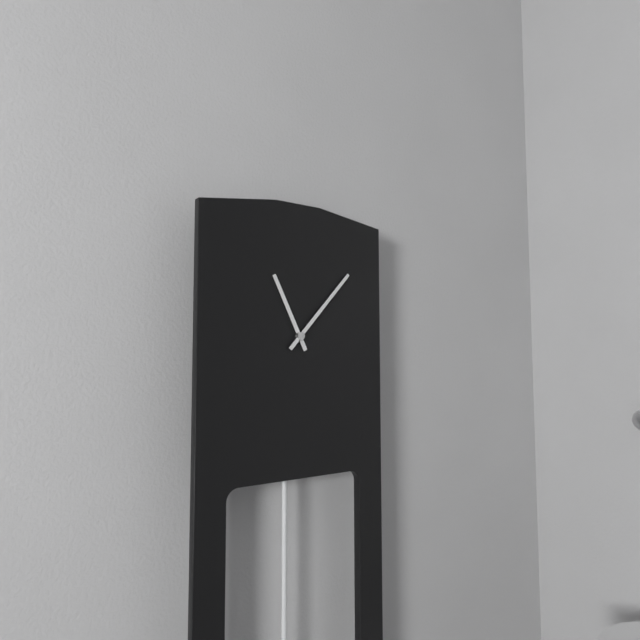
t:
11:07
